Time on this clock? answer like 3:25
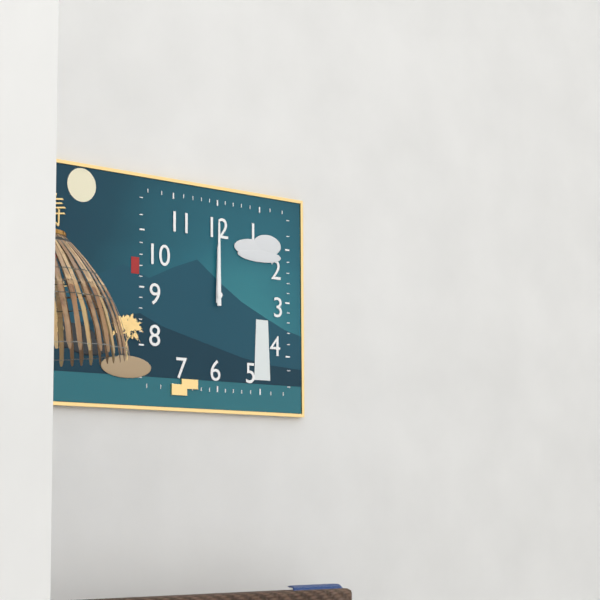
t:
12:00
